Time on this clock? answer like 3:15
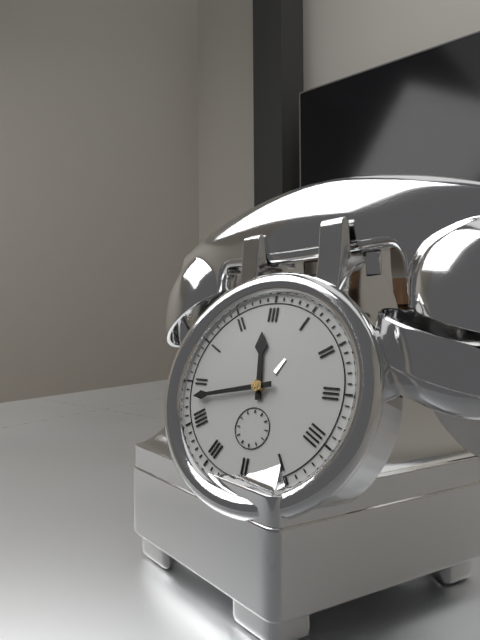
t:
11:43
